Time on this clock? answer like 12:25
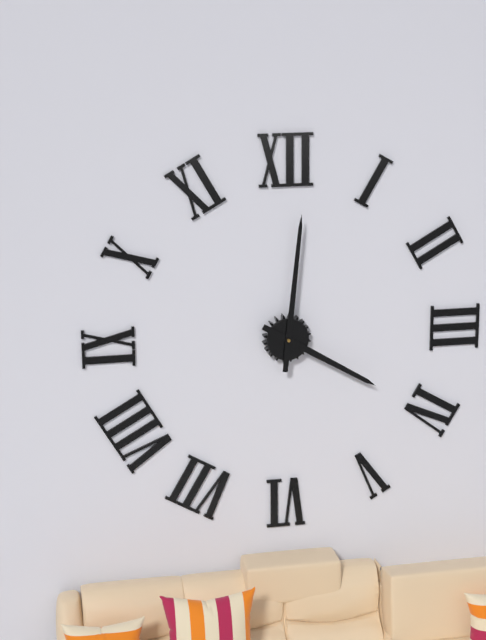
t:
4:01
